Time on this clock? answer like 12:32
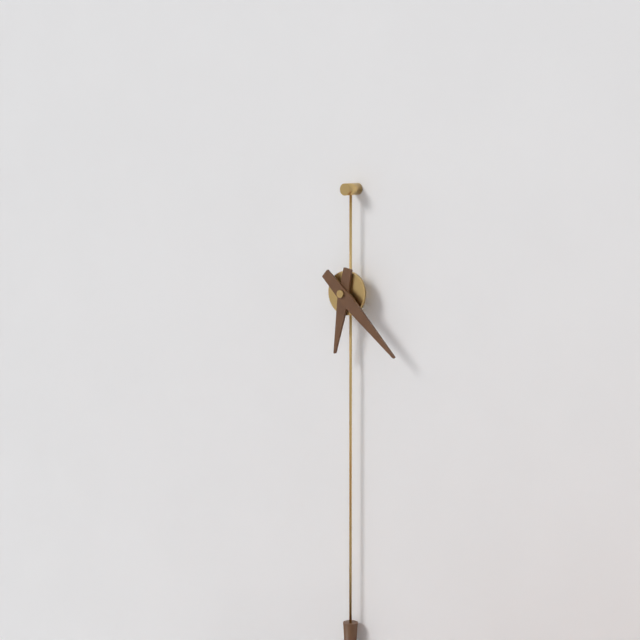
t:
6:22
